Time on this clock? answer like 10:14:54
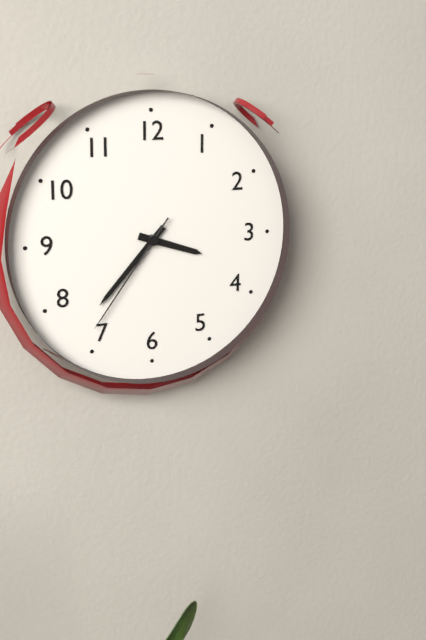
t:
3:37:36
